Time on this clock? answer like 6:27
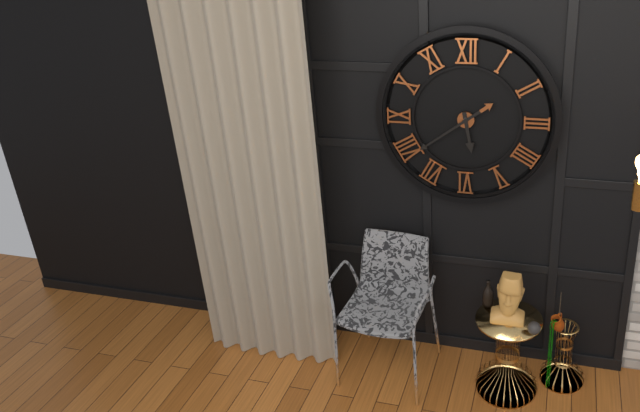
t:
5:39
